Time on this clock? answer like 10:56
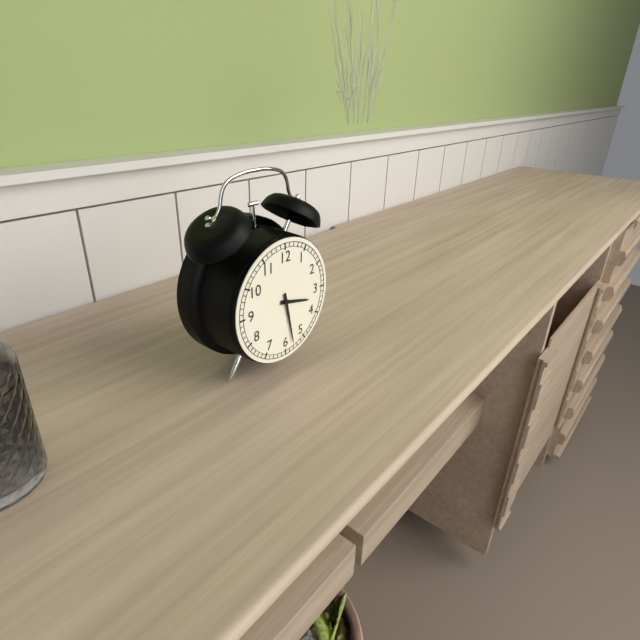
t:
3:28
